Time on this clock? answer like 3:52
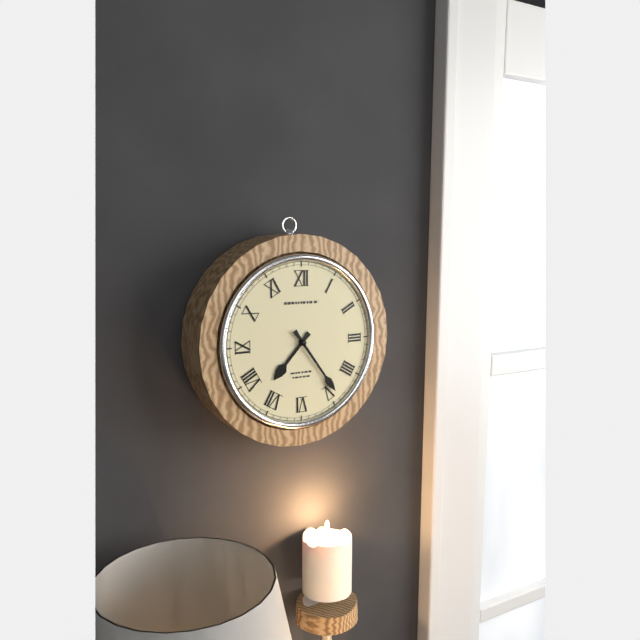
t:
7:24
